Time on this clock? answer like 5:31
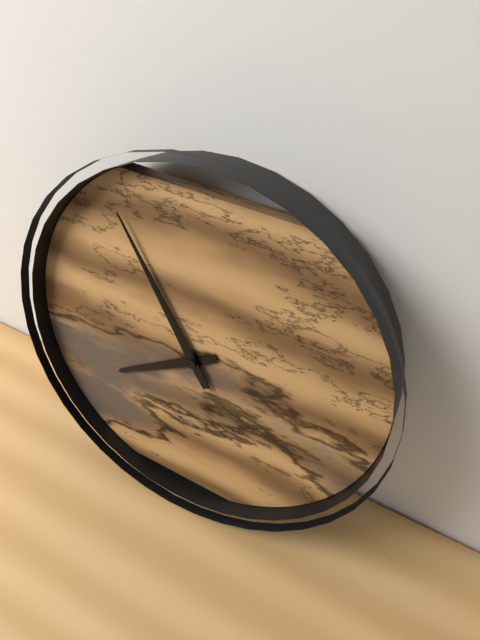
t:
7:54
